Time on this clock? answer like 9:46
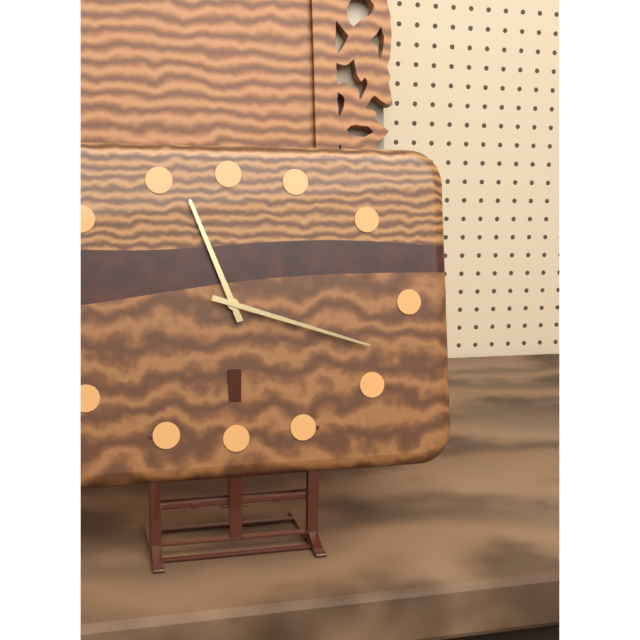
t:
11:18
